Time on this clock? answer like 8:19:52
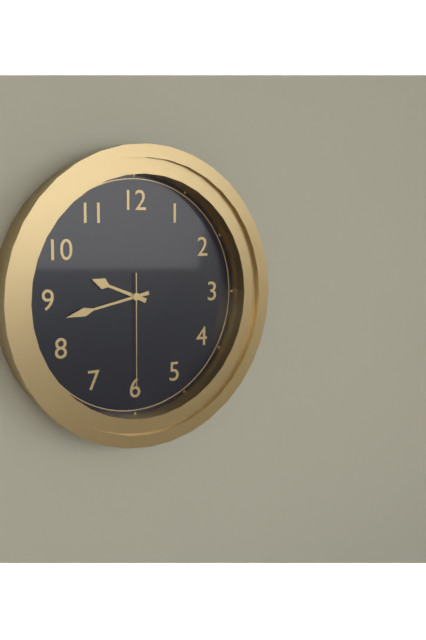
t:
9:43:30
